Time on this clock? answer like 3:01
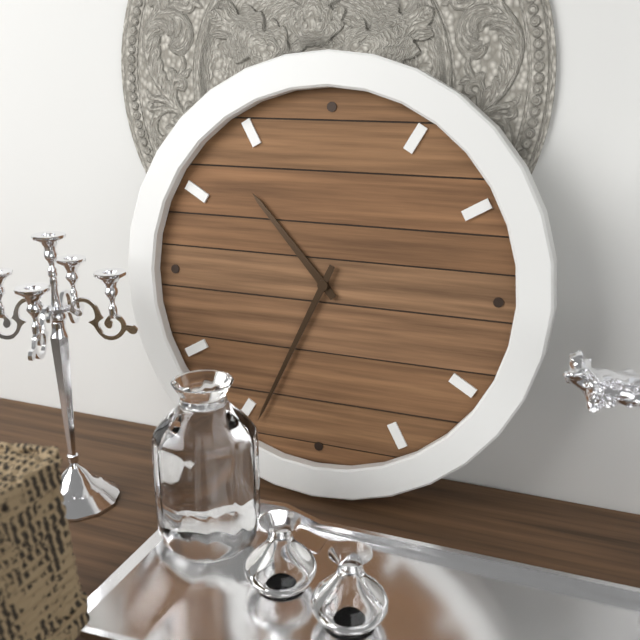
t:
10:34
